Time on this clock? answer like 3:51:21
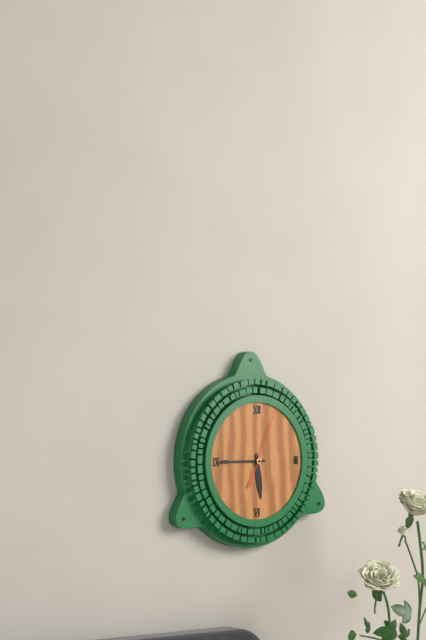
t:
5:45:04
